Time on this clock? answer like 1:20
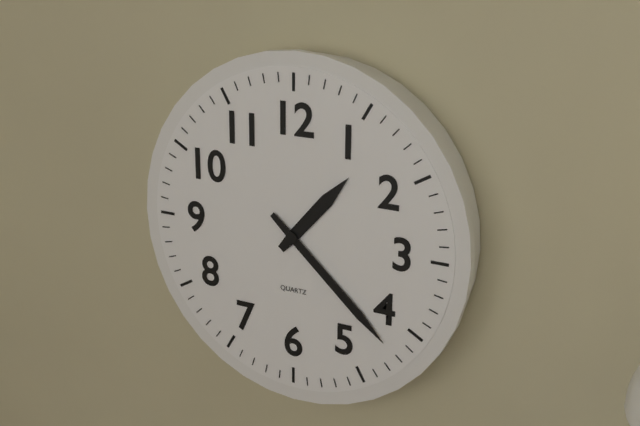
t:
1:22
